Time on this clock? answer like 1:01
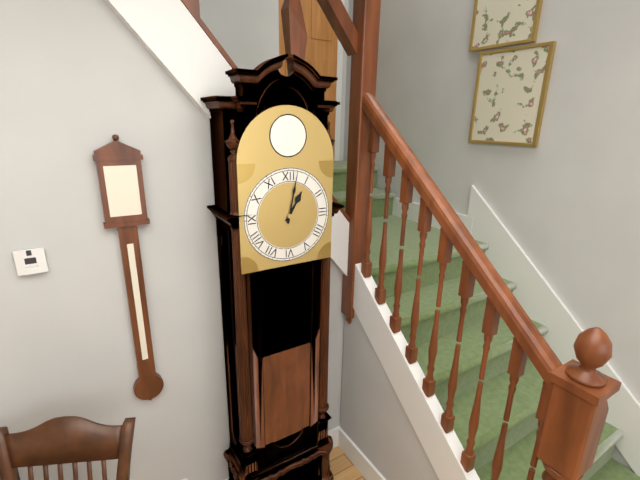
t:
1:02
